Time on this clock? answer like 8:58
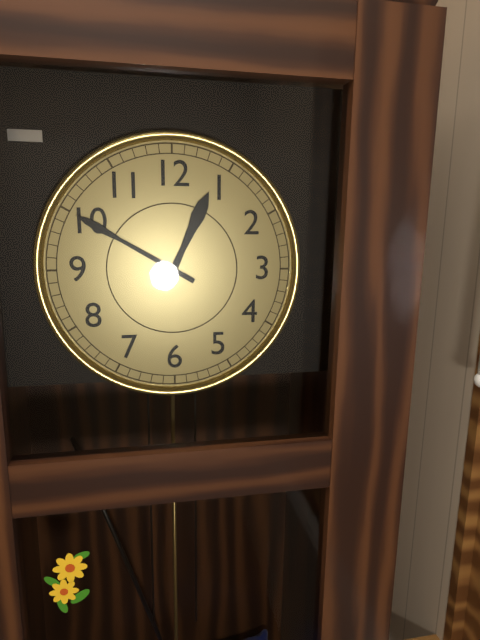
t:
12:50
